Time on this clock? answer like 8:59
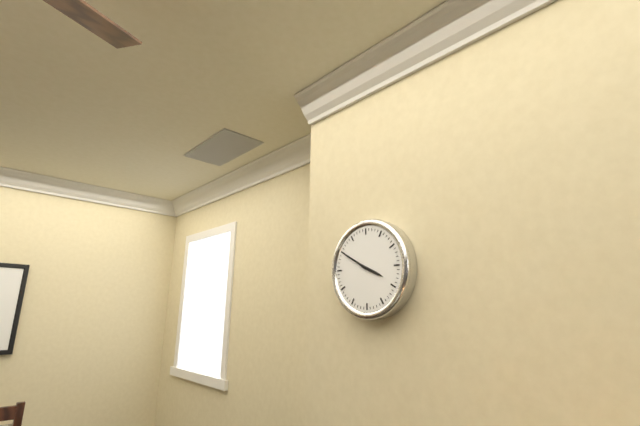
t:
3:50
